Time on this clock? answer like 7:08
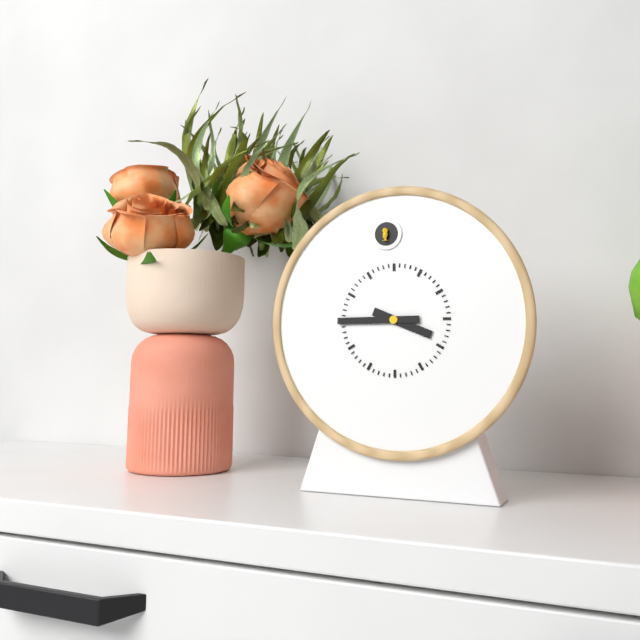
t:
3:45
